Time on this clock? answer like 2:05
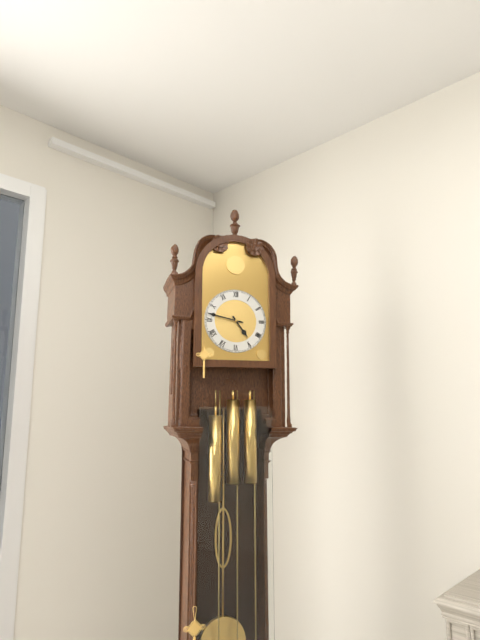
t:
4:47
